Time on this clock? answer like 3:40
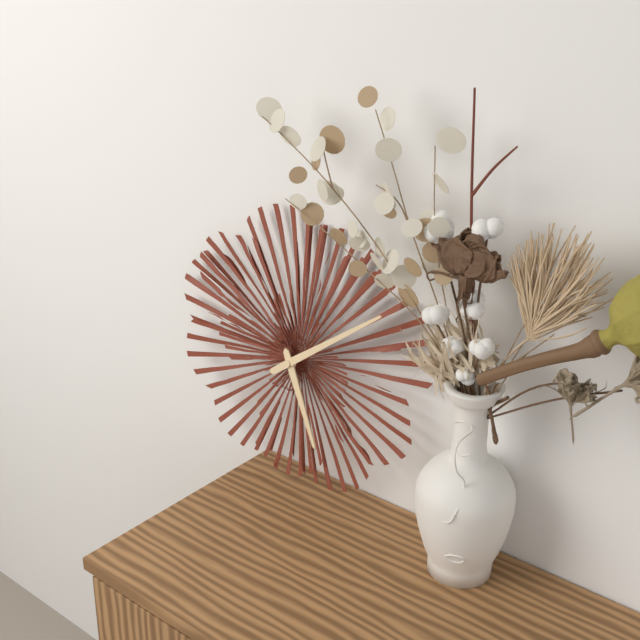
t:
5:09
